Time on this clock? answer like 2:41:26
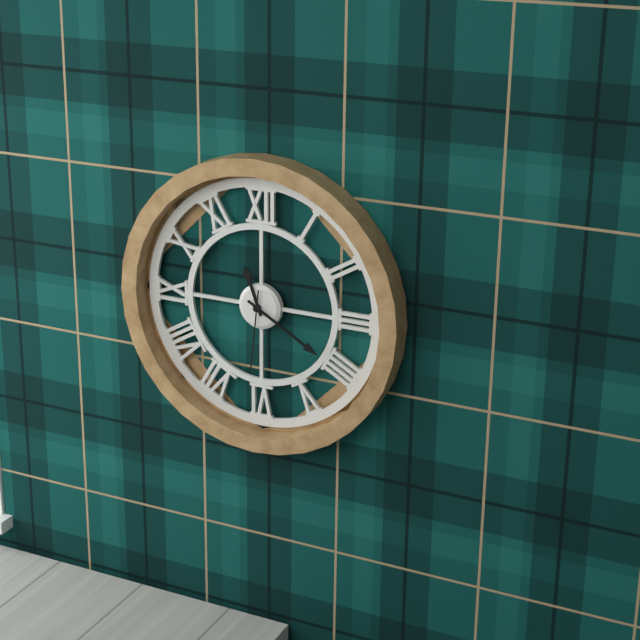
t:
11:20:31
